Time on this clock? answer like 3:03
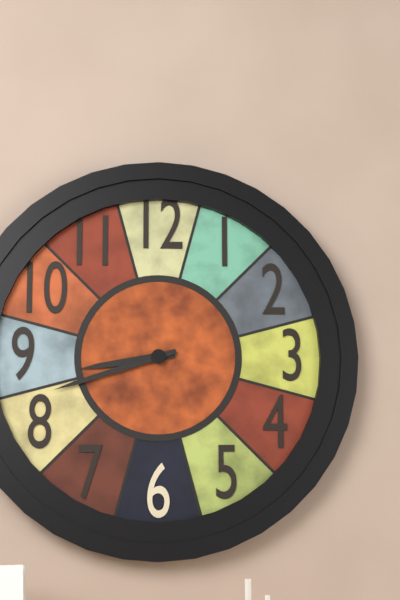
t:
8:42
